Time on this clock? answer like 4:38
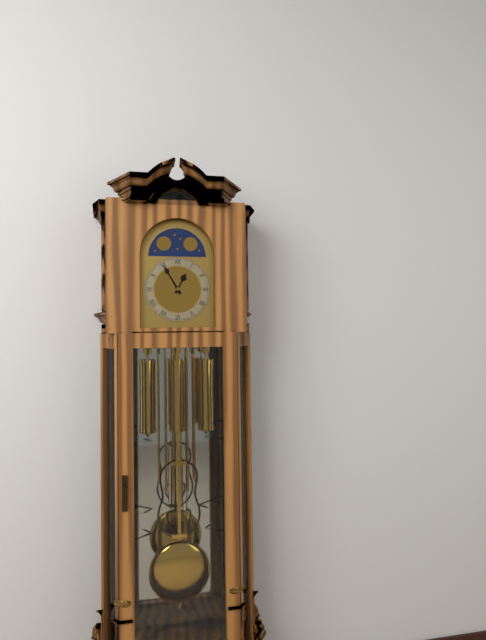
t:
12:55
